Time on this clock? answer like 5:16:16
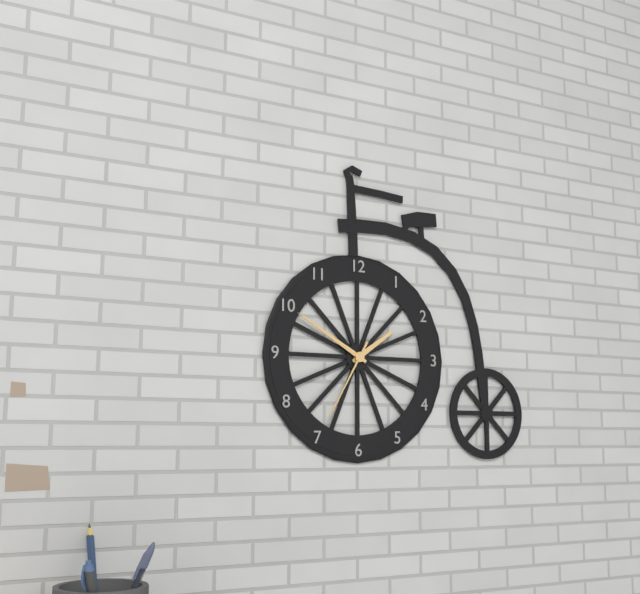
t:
1:50:35
